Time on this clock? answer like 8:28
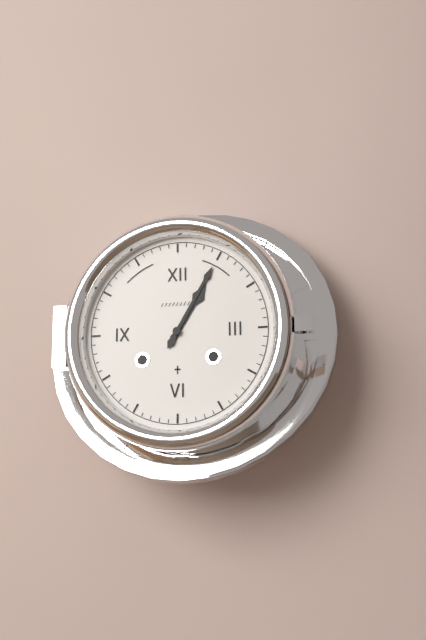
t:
1:05
